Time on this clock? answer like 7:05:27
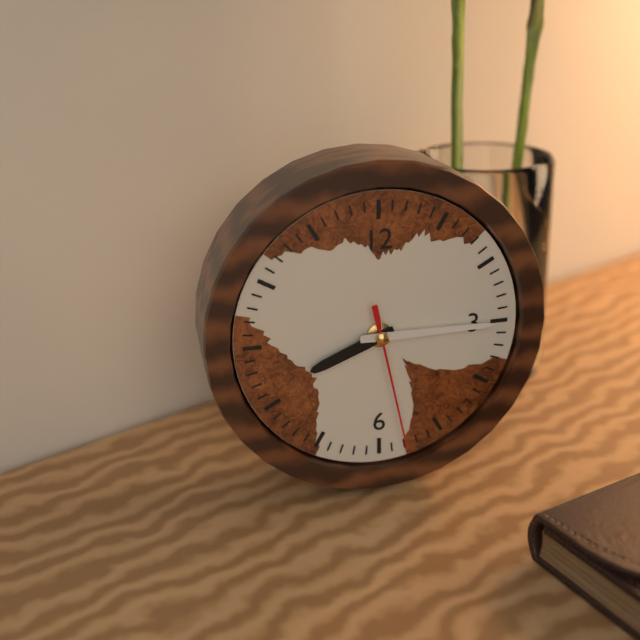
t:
8:15:28
